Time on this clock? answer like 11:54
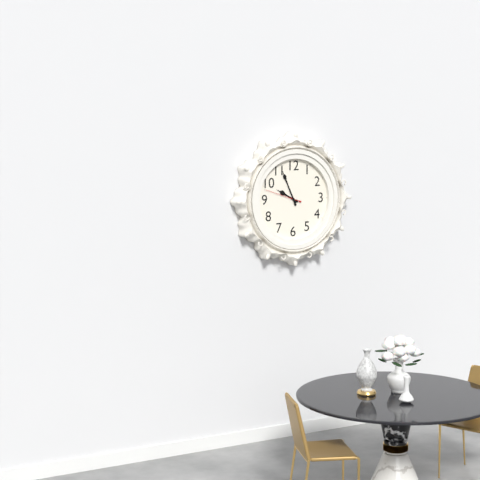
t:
9:56
